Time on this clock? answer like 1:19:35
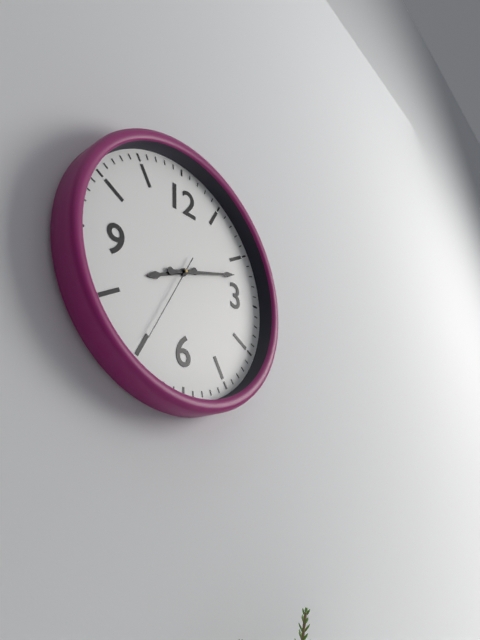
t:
8:12:35
